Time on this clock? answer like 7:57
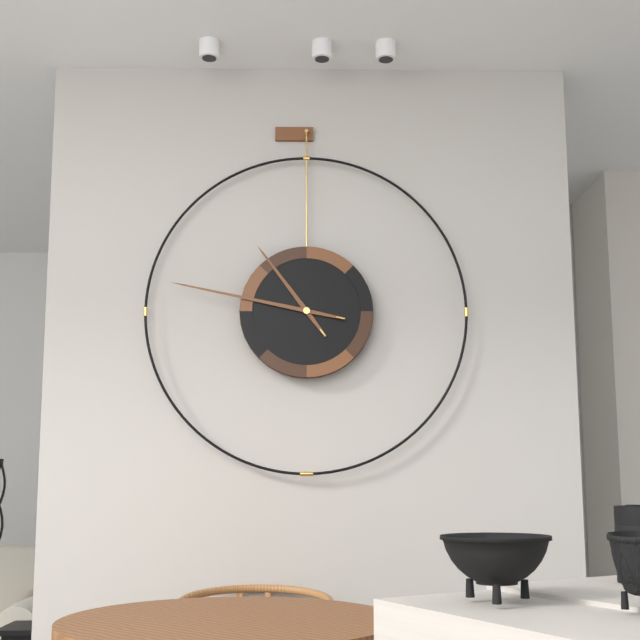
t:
10:47
